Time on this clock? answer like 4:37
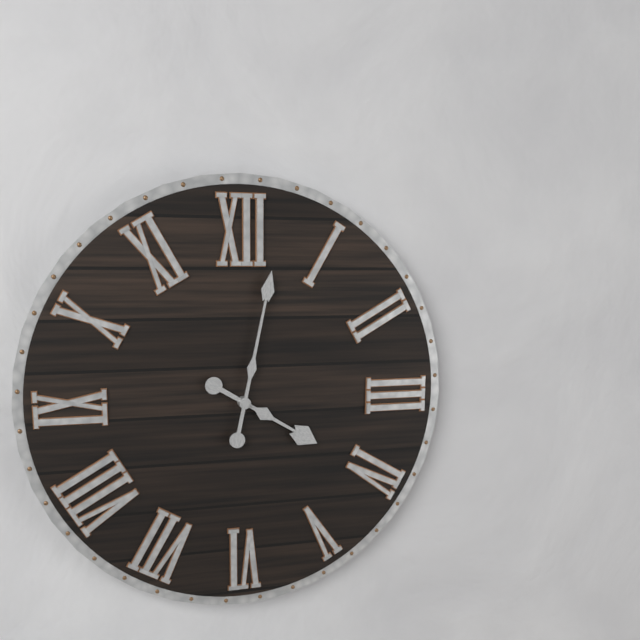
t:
4:02
